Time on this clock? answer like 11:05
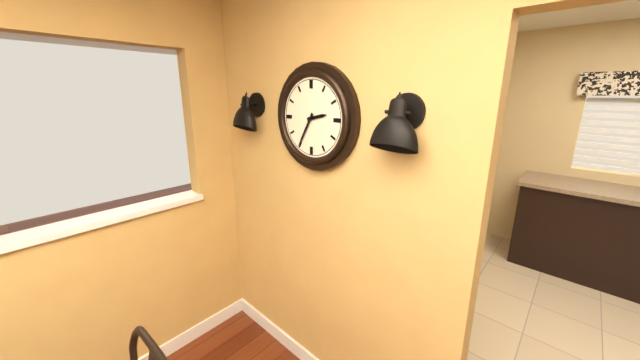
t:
2:35
